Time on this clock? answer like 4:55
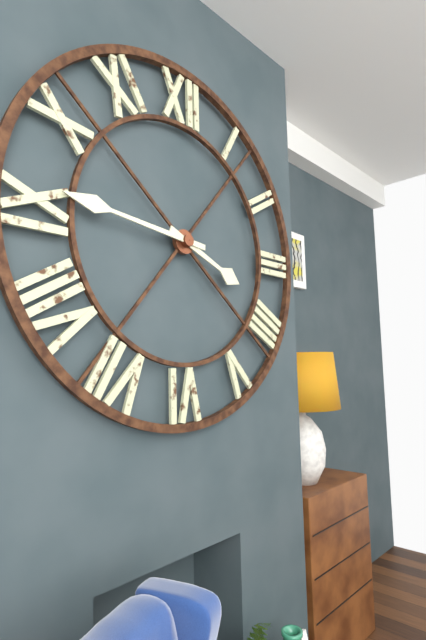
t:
3:46
